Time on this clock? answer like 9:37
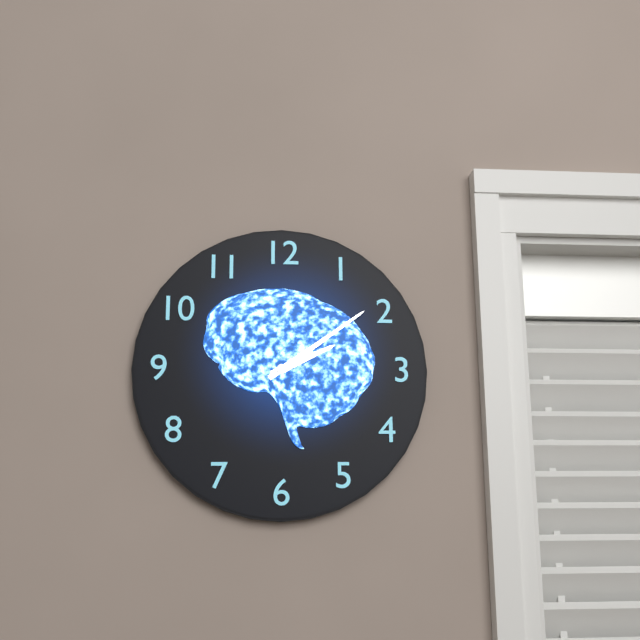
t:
2:09
